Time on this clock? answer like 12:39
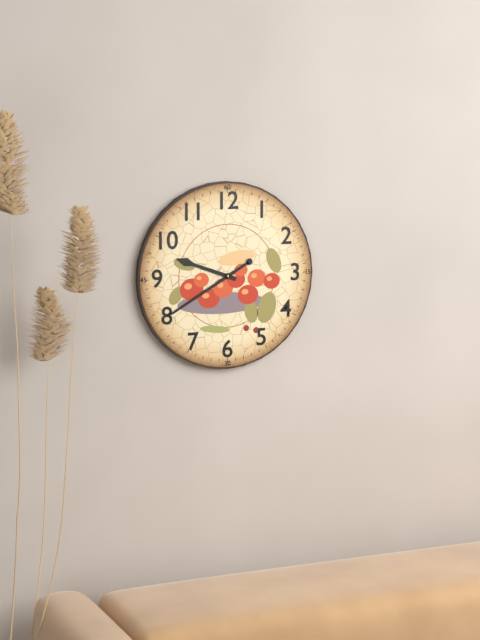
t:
9:40
